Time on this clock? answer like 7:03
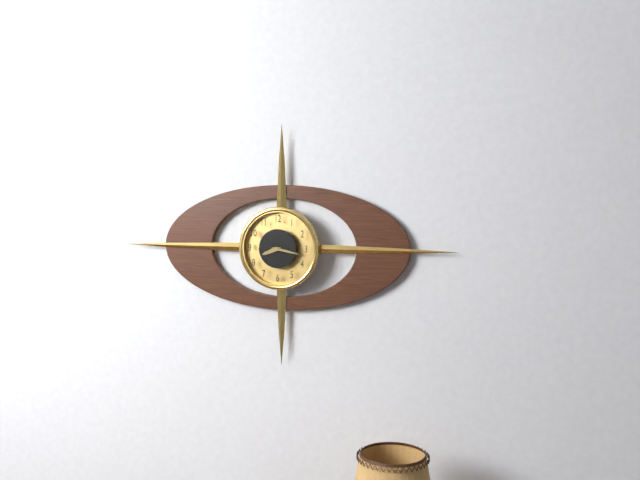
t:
8:17
